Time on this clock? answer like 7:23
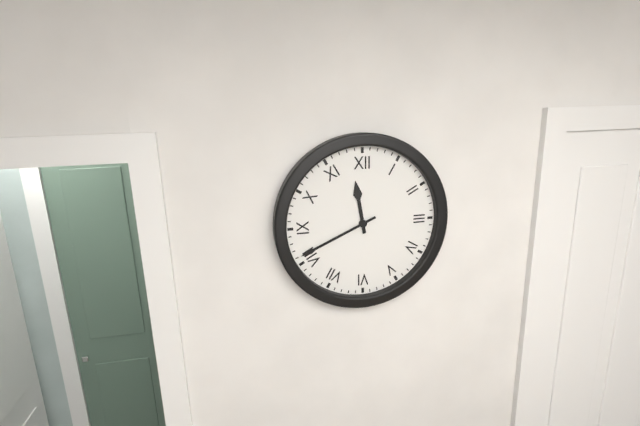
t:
11:41
